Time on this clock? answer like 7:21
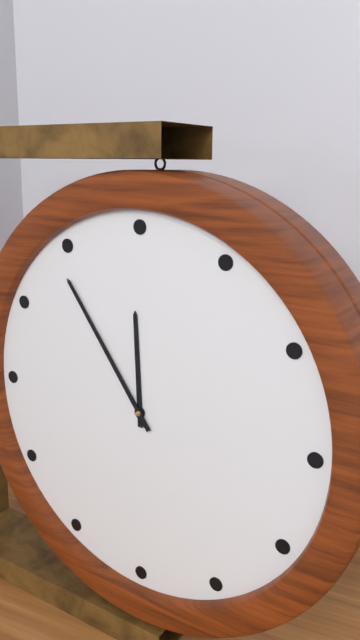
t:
11:54
